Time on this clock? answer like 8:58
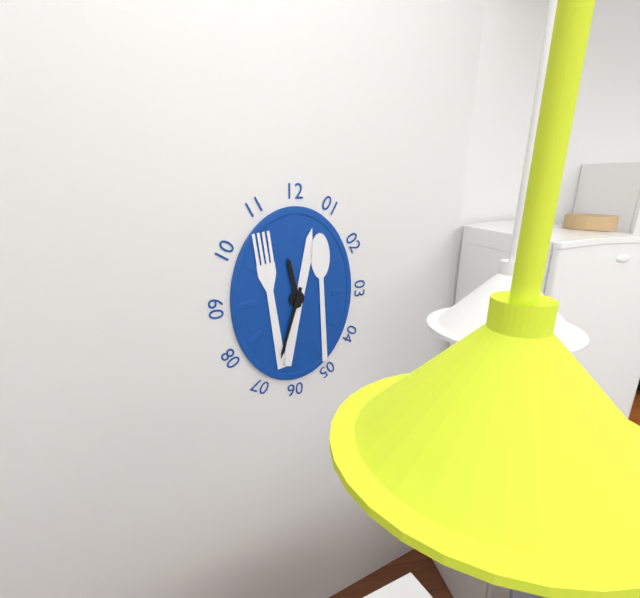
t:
11:33
